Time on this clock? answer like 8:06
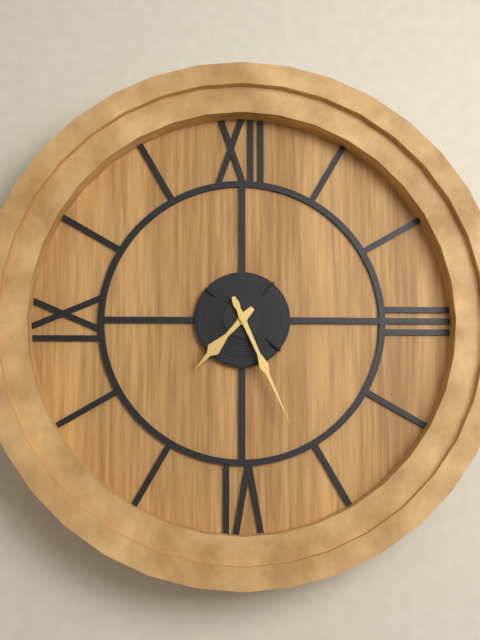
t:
7:26
